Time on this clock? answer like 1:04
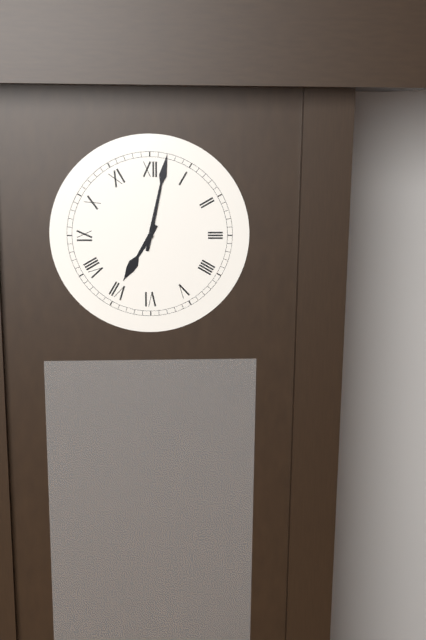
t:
7:02
